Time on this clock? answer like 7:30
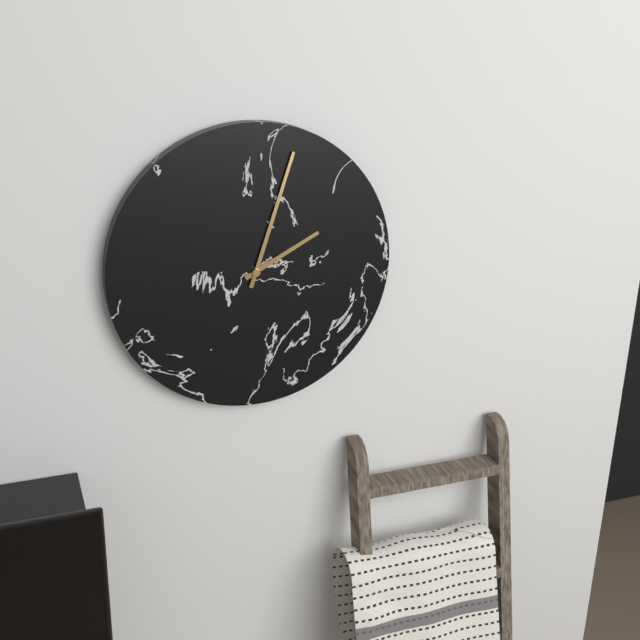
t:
2:03
